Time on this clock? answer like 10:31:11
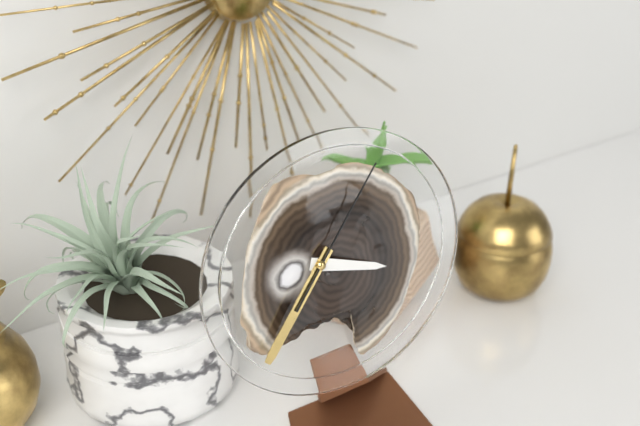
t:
3:37:07
